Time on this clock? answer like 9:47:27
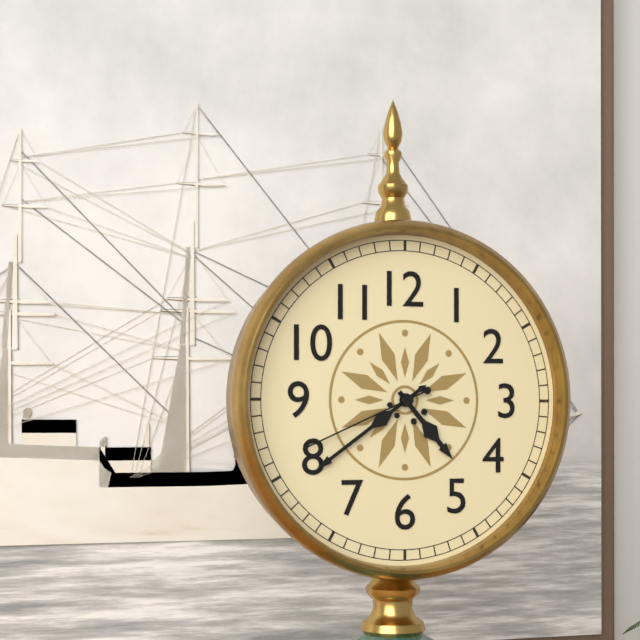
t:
4:39:41
